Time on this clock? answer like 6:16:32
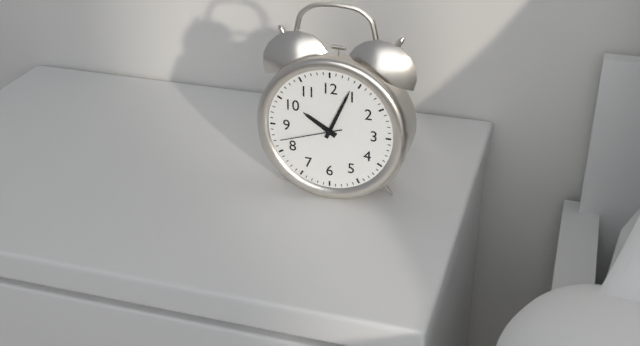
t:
10:04:42
